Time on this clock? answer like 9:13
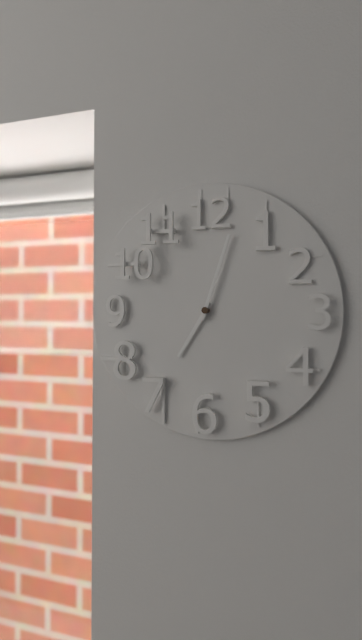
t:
7:03
